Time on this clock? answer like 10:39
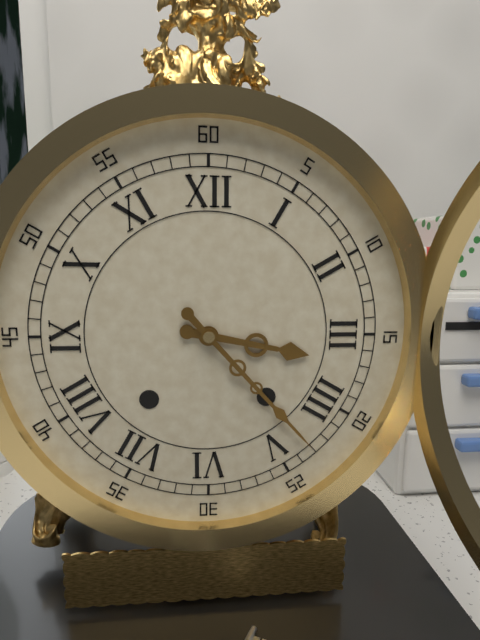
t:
3:23
